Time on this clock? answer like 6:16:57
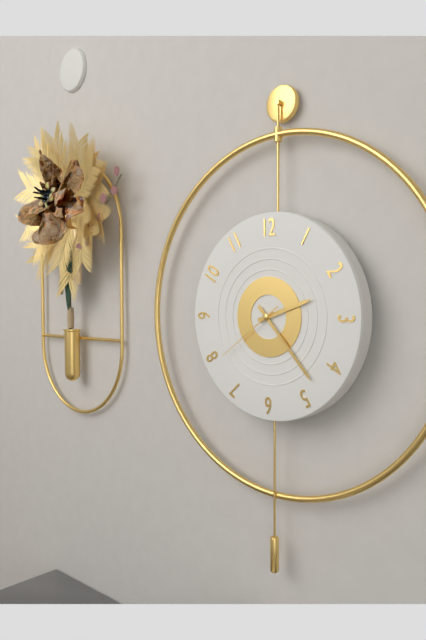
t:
2:23:39
